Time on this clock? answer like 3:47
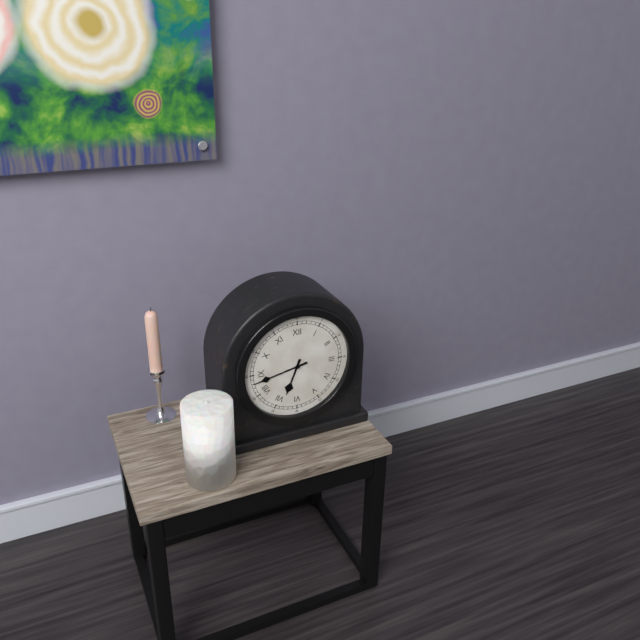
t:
6:43
